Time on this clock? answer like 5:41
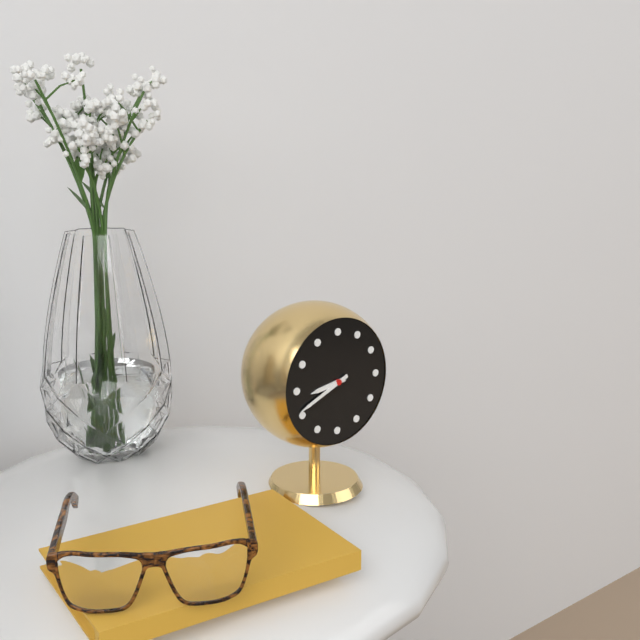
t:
8:41
